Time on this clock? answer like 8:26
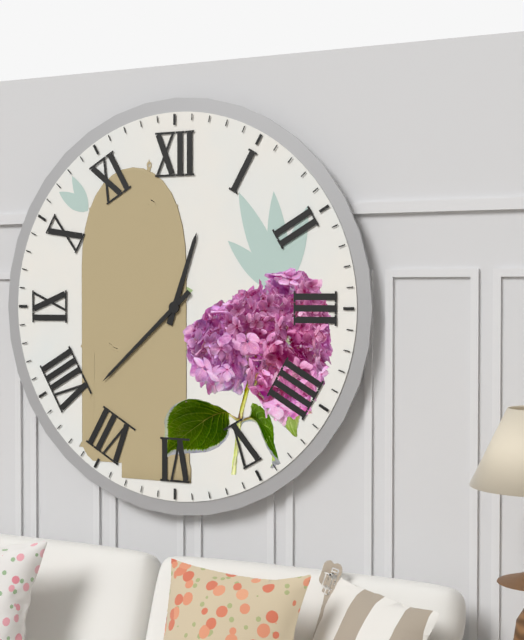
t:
12:38
